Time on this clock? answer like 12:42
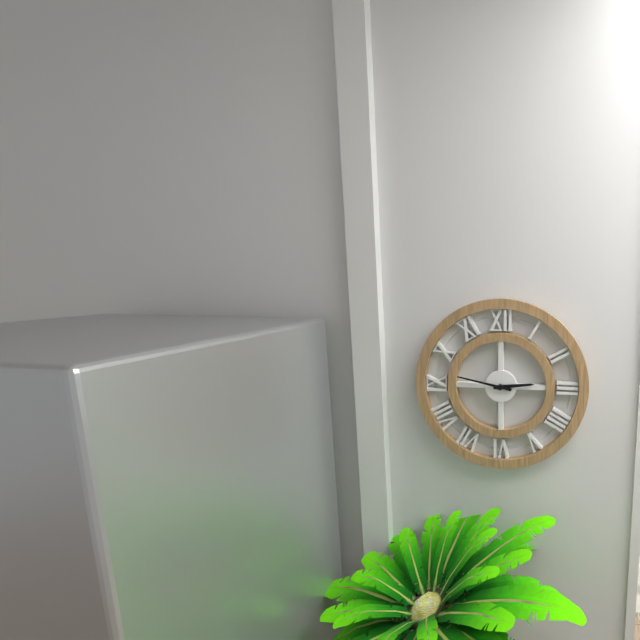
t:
2:47
